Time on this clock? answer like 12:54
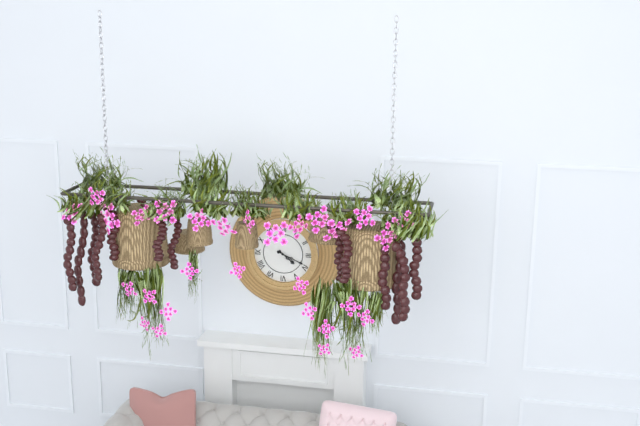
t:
4:19
